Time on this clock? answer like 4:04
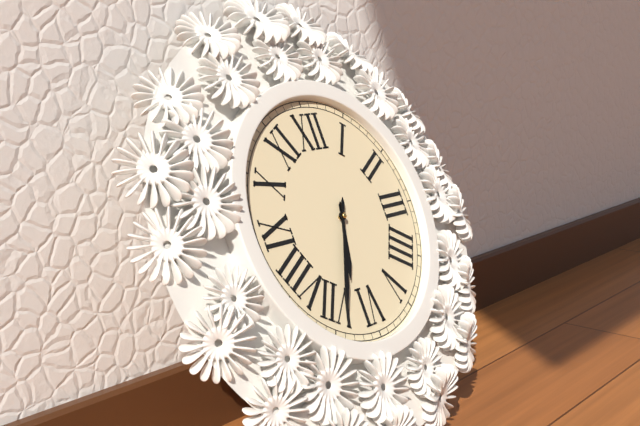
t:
6:34
